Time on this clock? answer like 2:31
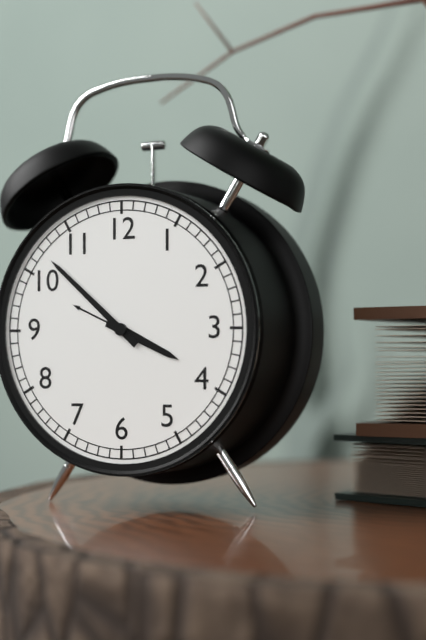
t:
3:52
